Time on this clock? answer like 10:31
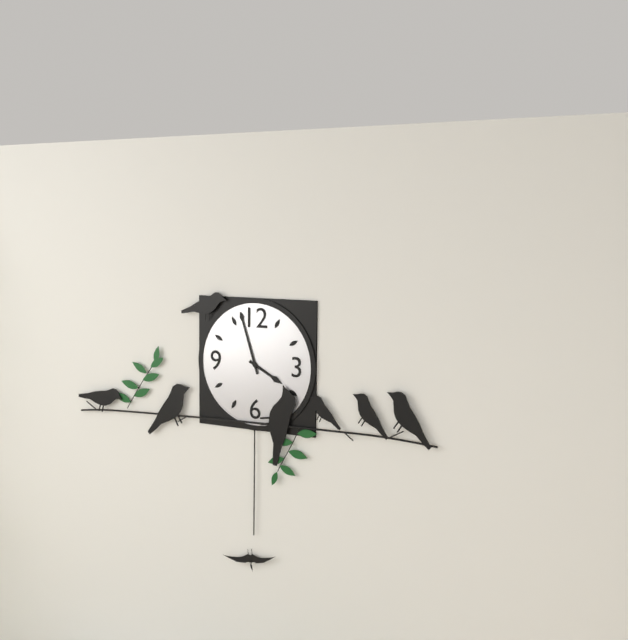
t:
3:57
